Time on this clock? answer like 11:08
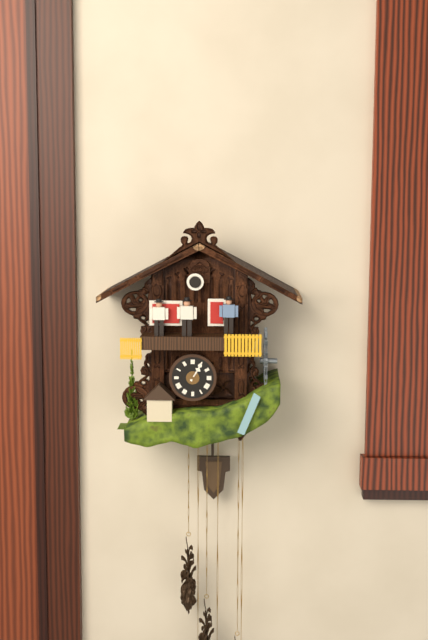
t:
1:05
